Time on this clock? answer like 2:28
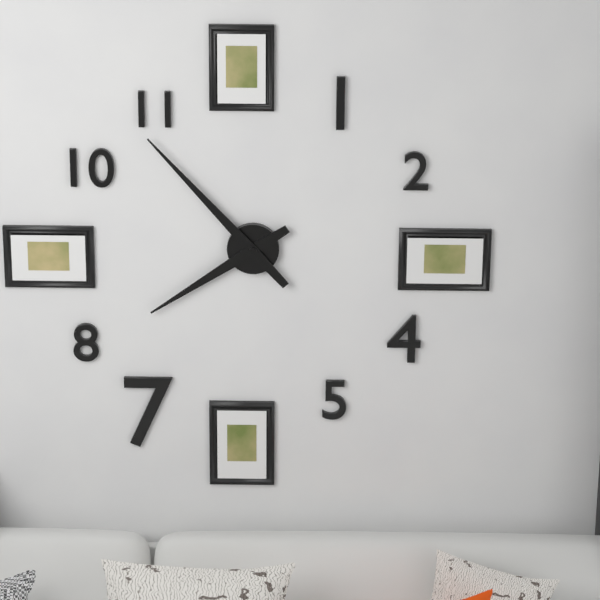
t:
7:53
